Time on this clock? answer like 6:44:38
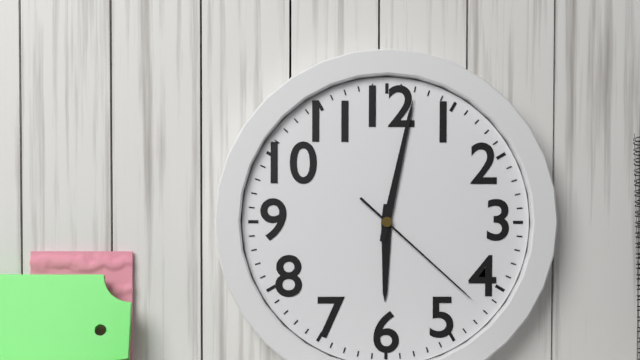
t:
6:02:22
